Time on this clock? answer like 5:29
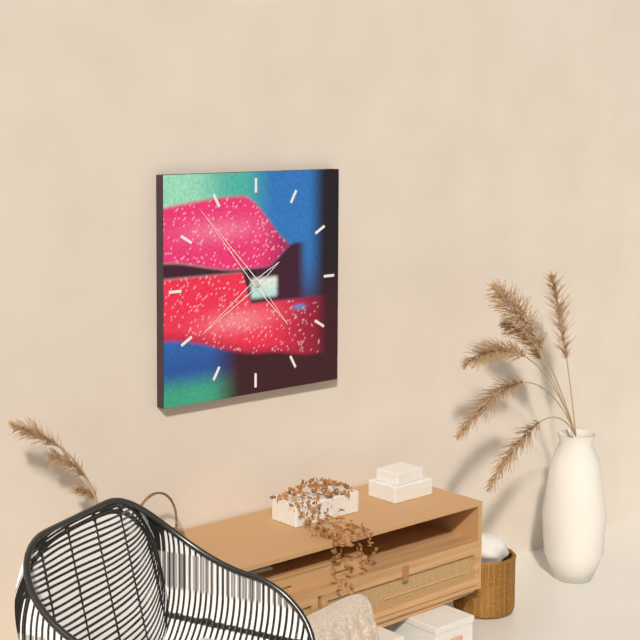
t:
7:53
